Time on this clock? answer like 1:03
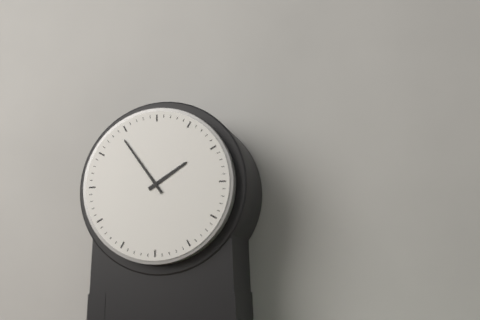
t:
1:54
